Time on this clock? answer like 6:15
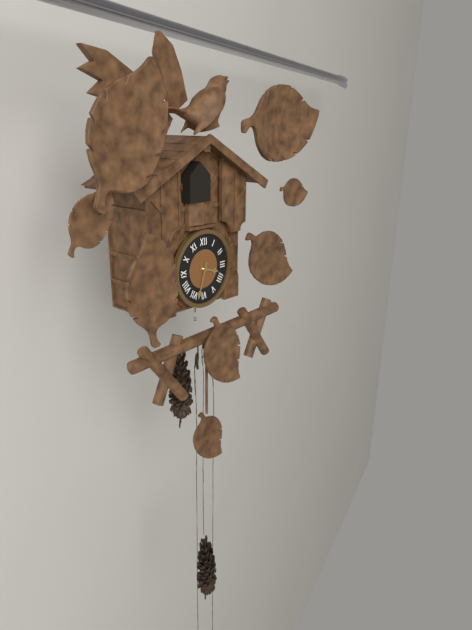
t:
3:33
